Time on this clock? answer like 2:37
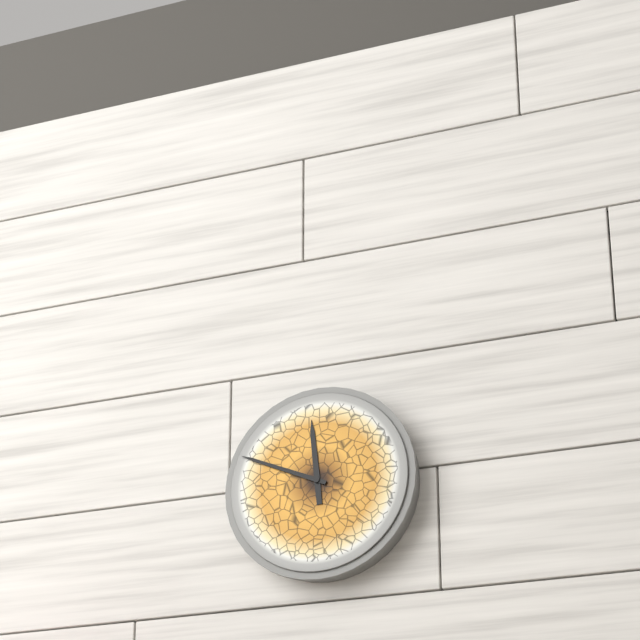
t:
11:49
